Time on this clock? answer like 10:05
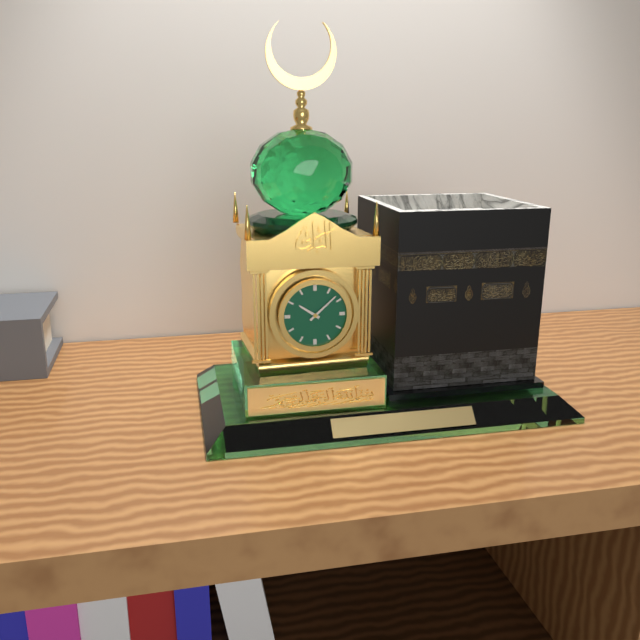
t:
10:08
